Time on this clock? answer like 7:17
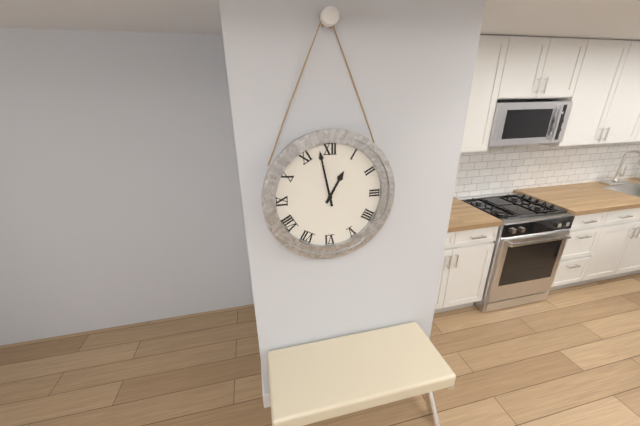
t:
12:58
